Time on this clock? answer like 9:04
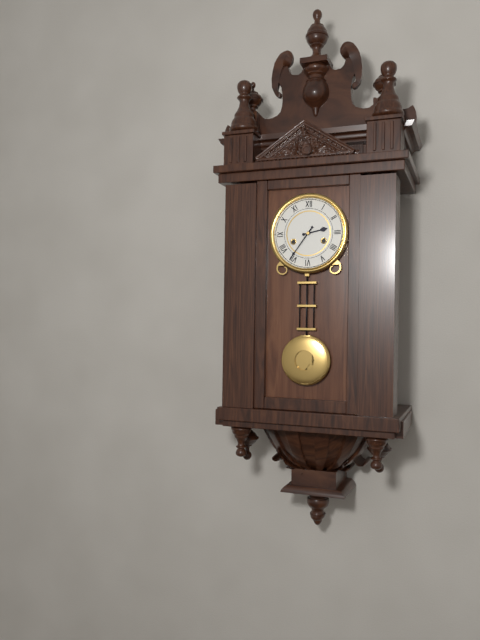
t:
2:36
